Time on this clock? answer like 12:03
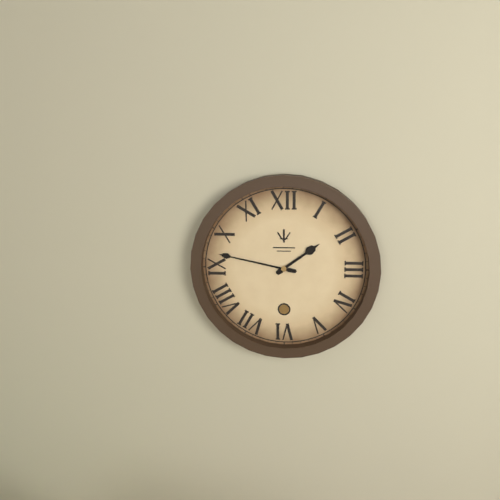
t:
1:47
